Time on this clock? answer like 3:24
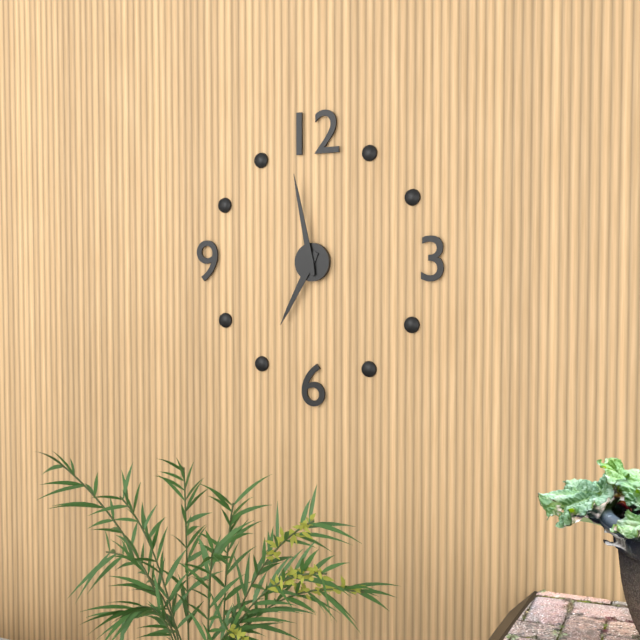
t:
6:58
